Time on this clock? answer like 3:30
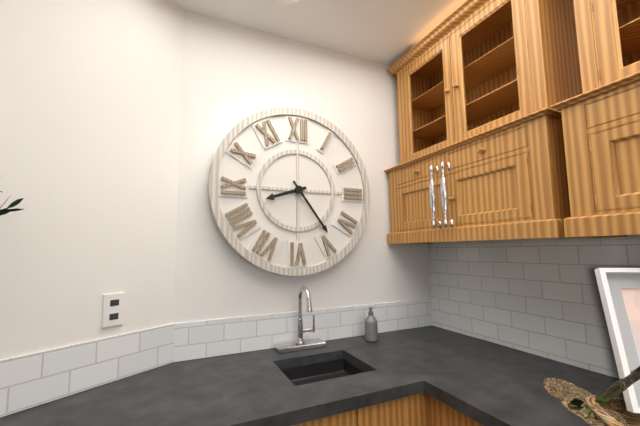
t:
8:24
